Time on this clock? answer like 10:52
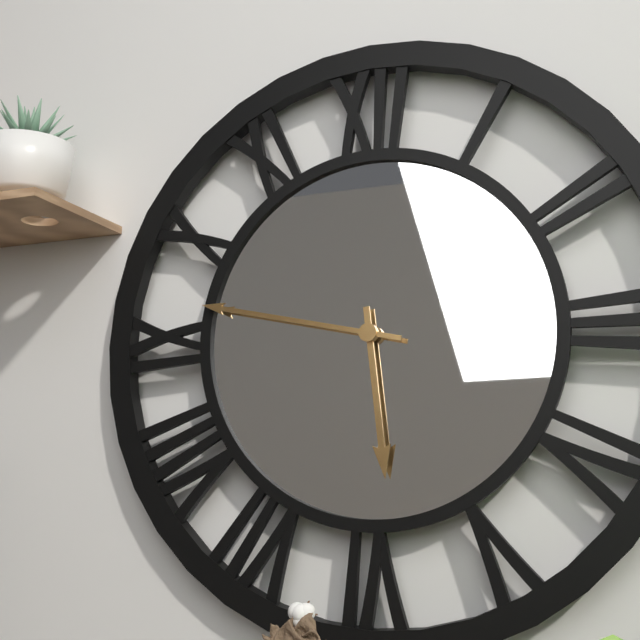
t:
5:47
